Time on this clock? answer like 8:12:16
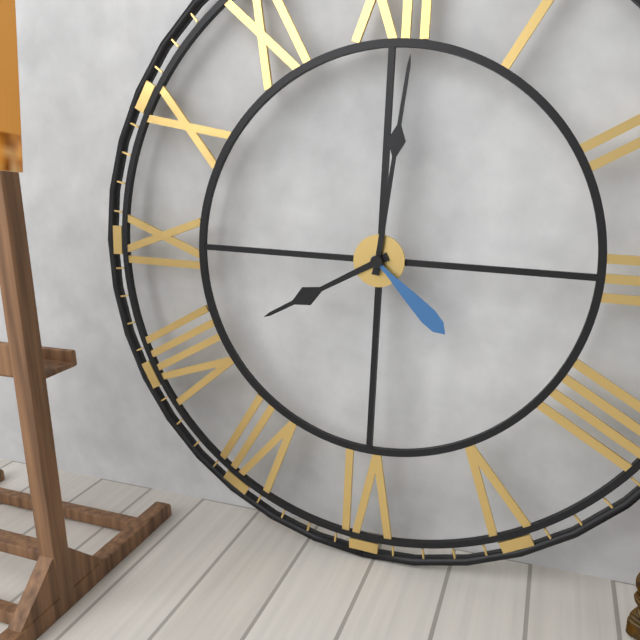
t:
8:01:22
